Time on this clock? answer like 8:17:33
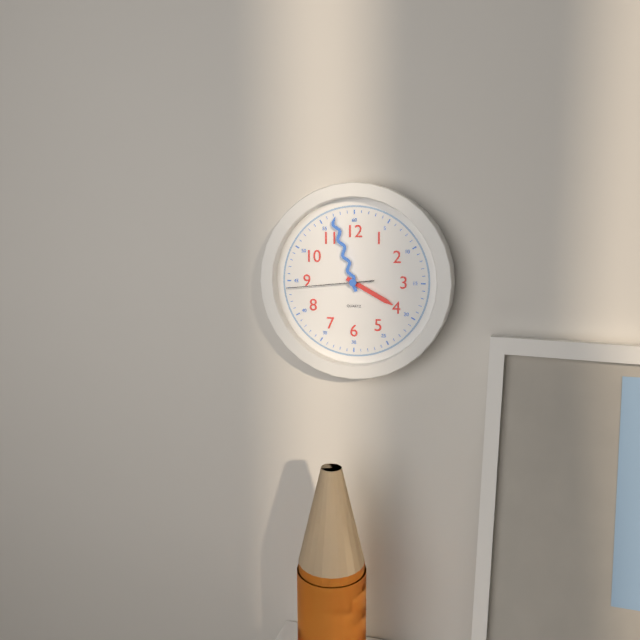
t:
3:57:44
